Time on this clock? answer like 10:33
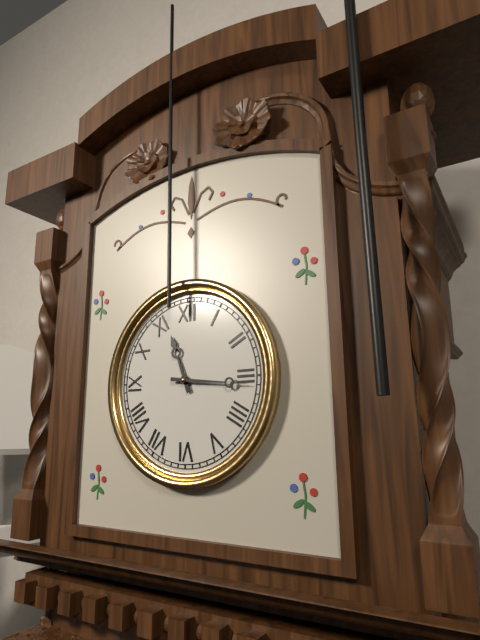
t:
11:16
